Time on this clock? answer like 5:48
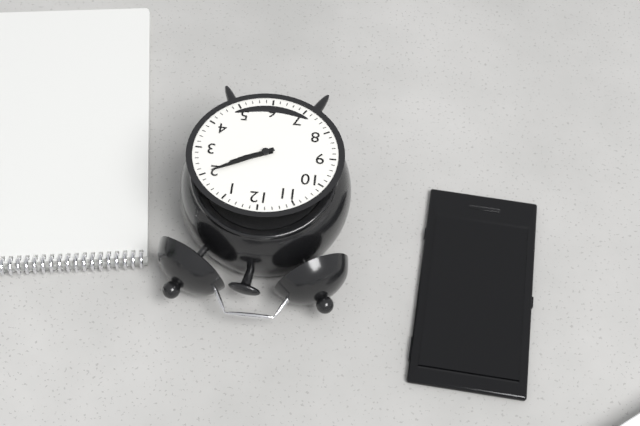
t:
2:10
